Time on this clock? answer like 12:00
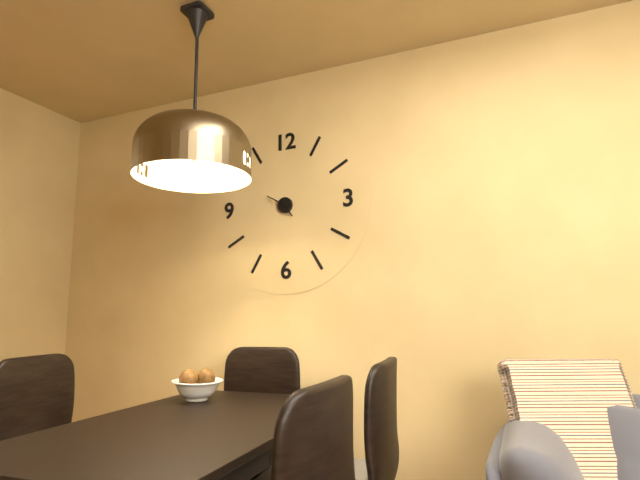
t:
4:50
